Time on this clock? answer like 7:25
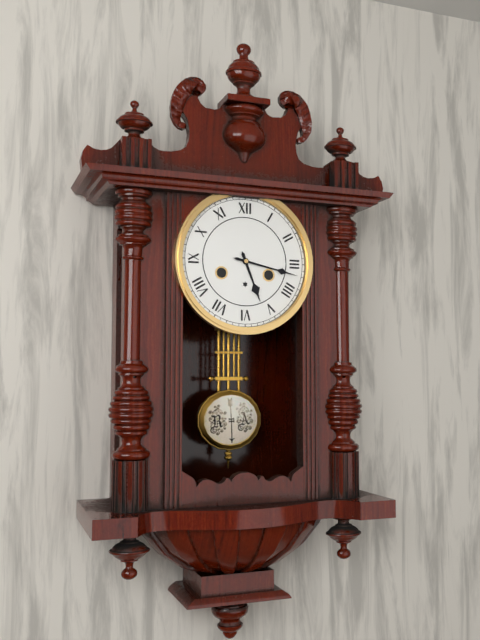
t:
5:17
